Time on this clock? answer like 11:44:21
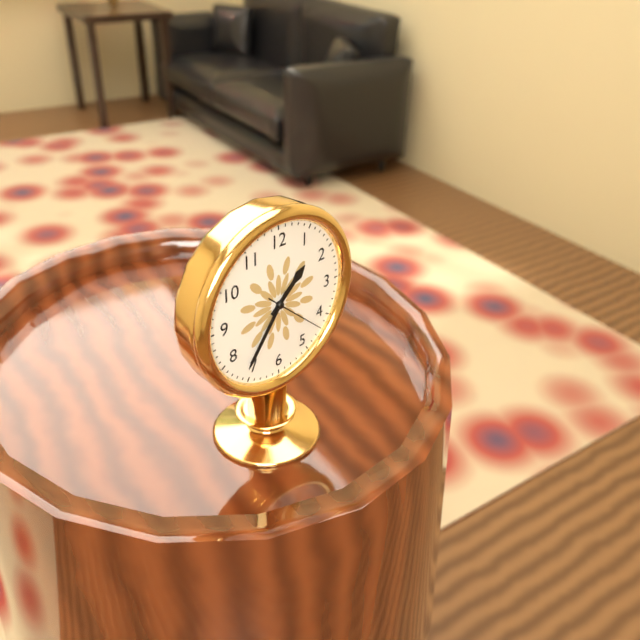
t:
1:36:22
